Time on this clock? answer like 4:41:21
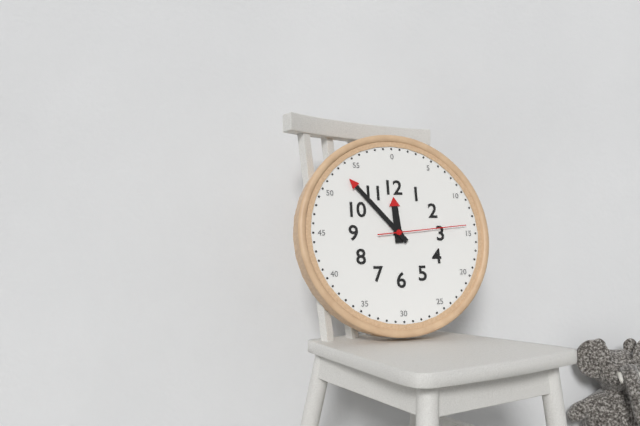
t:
11:53:14
